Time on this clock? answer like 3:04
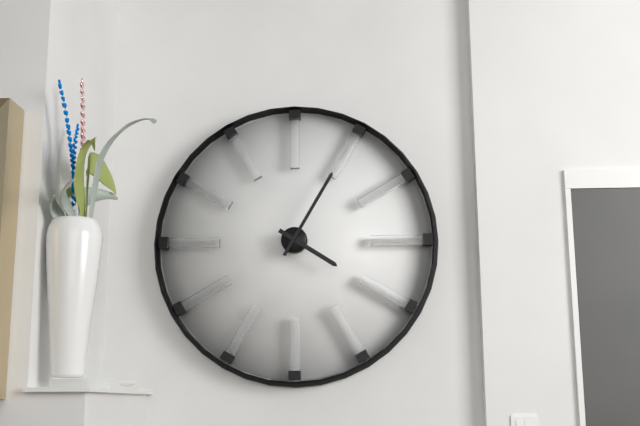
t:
4:05
